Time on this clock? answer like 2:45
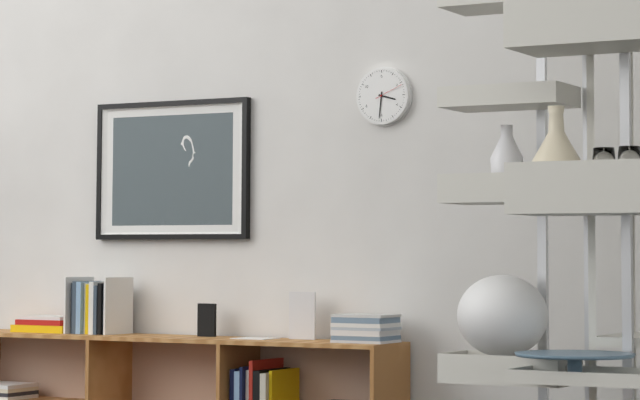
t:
3:31
